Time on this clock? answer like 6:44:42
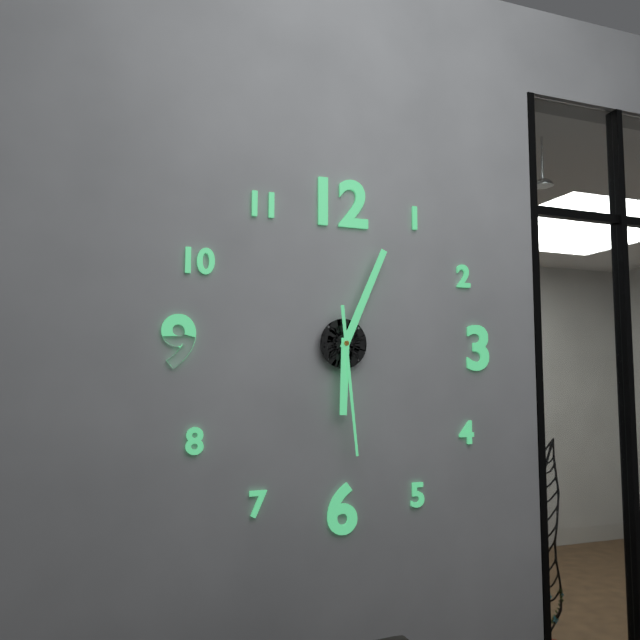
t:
6:04:29
